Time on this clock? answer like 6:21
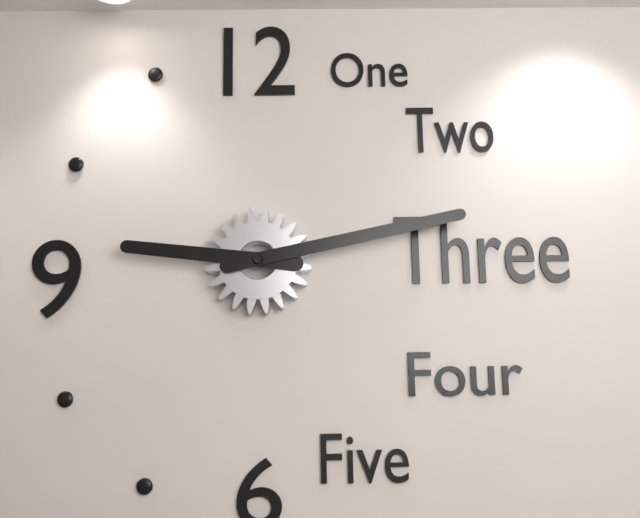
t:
9:13
